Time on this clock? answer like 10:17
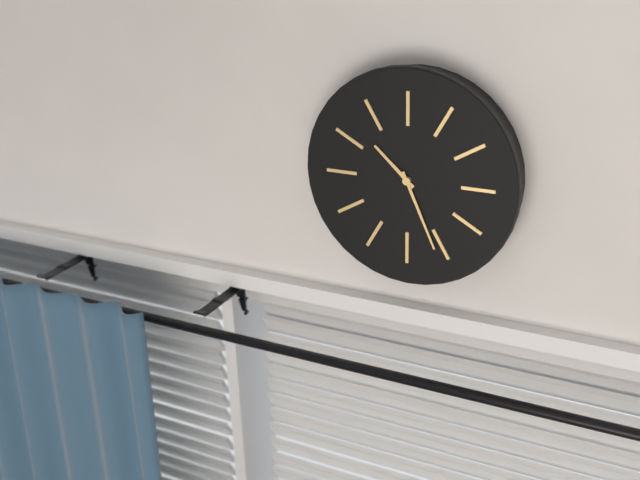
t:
10:26
